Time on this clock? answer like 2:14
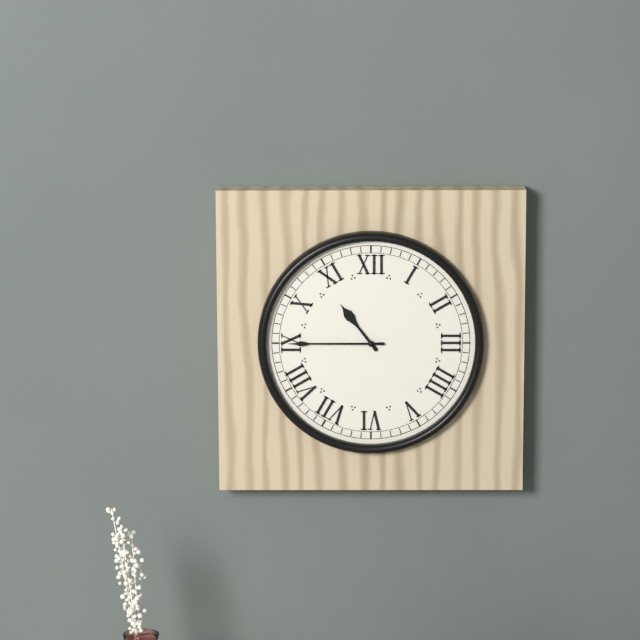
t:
10:45
